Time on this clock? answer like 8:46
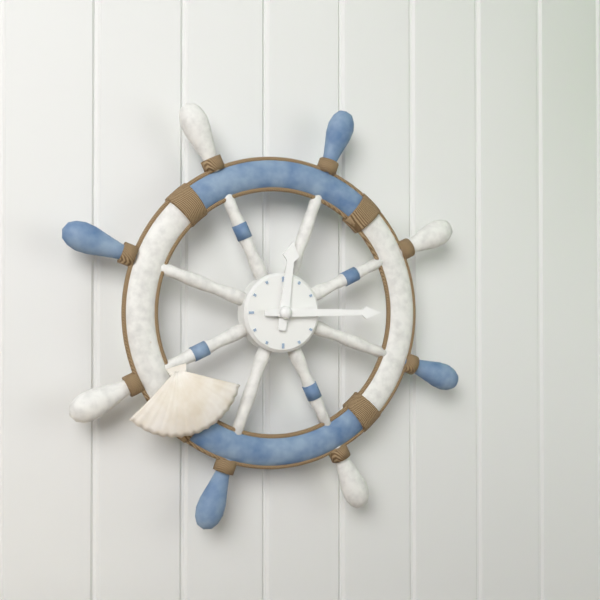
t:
12:15
